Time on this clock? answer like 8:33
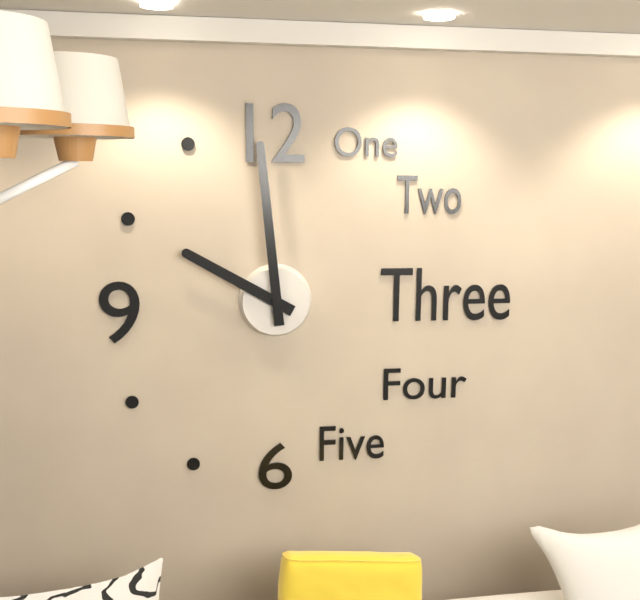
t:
9:59
